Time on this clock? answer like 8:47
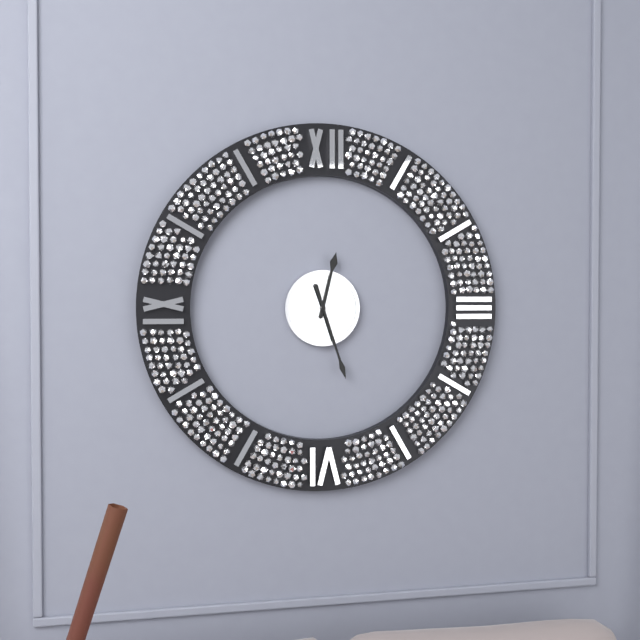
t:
12:27
